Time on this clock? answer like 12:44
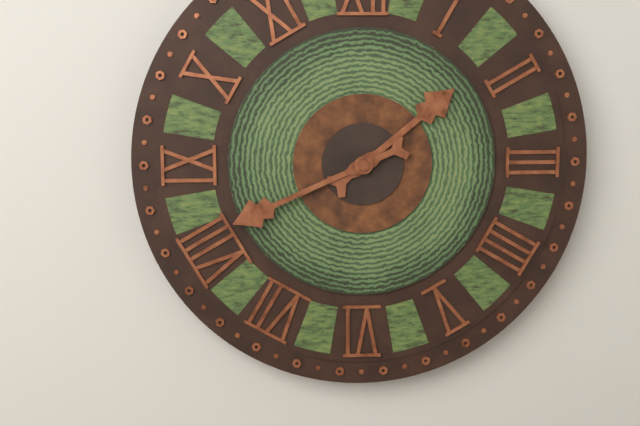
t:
1:41
